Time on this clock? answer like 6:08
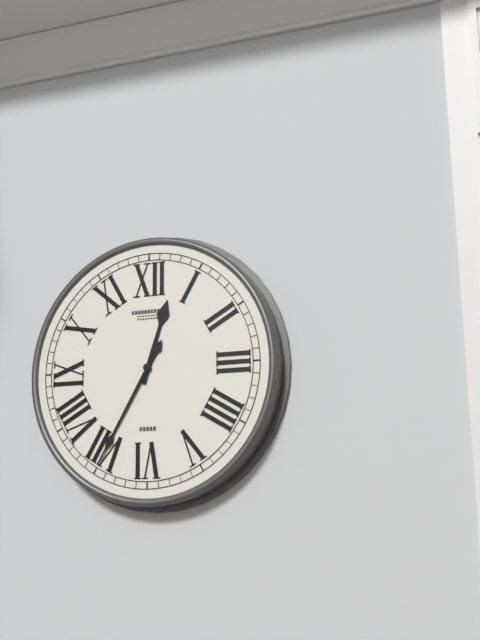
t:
12:35
